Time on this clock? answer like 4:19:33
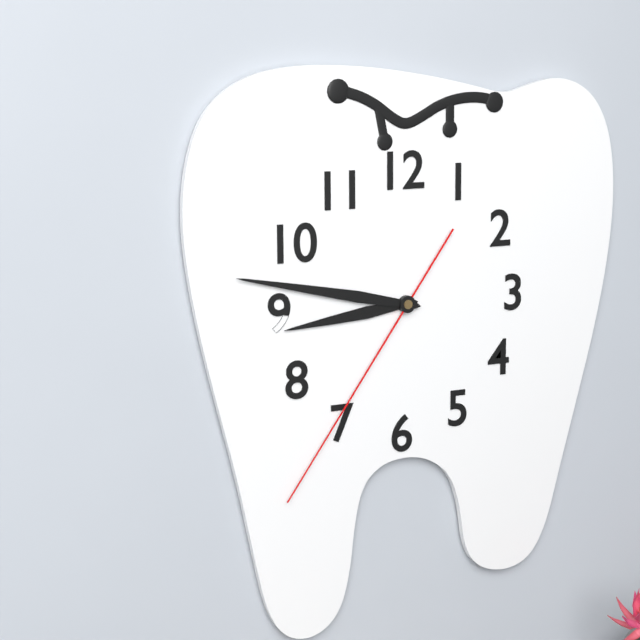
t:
8:47:36
